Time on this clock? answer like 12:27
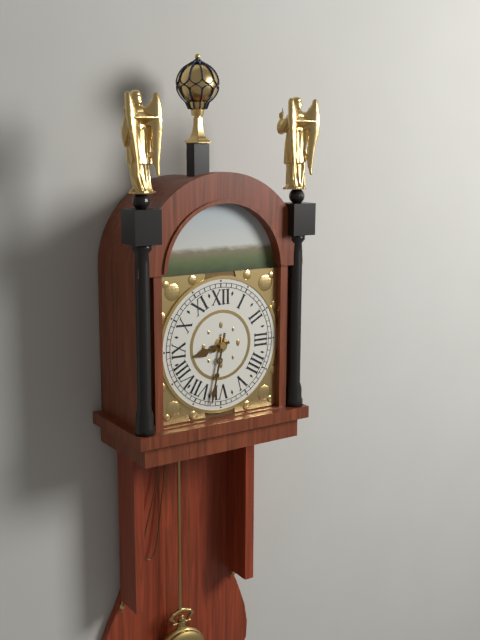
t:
8:32
